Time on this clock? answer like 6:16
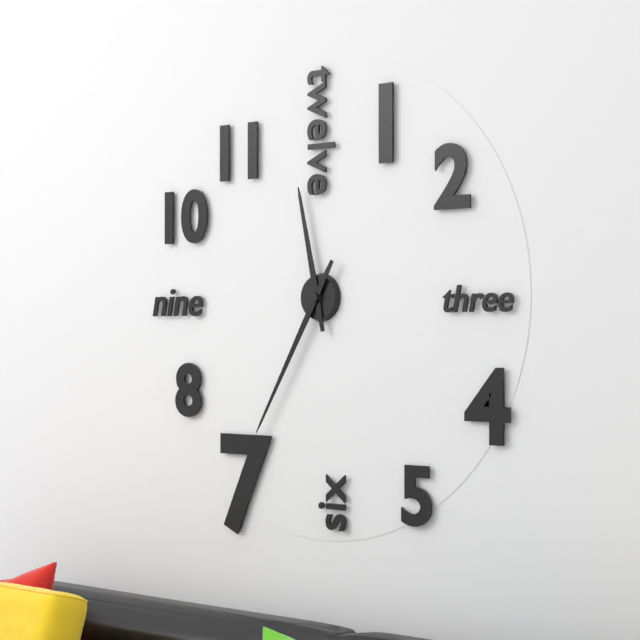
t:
11:35
